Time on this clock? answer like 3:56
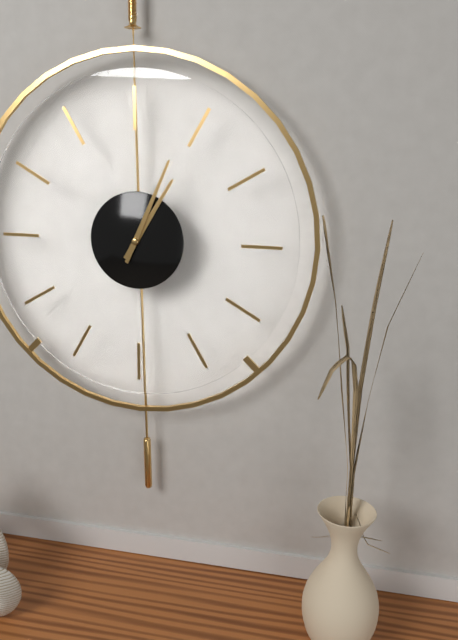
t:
1:04
